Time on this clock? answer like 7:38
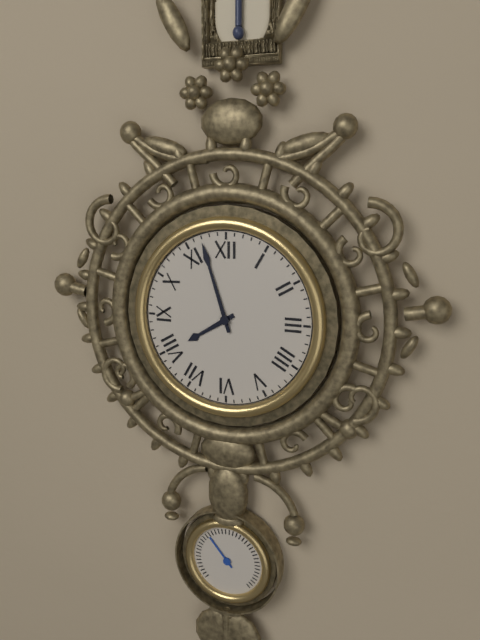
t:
7:57
